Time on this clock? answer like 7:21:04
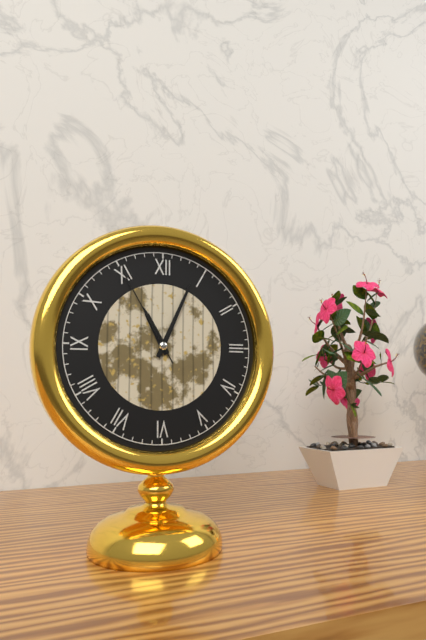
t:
11:04:55
